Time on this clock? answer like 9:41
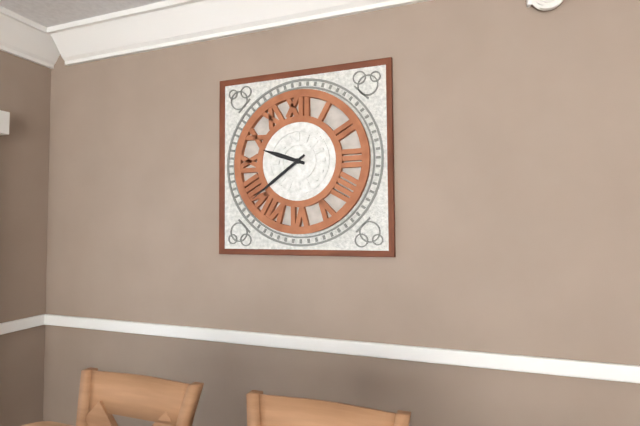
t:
9:39
